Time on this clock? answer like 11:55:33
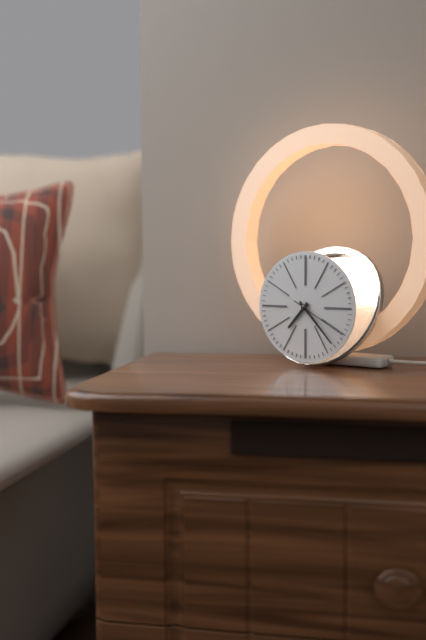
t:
7:23:20
